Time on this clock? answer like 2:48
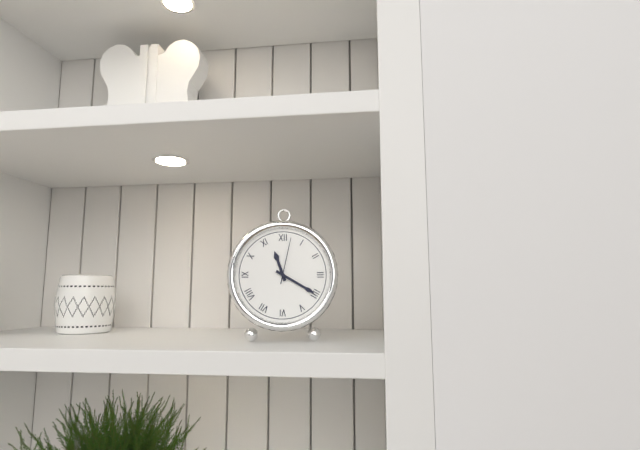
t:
11:20
